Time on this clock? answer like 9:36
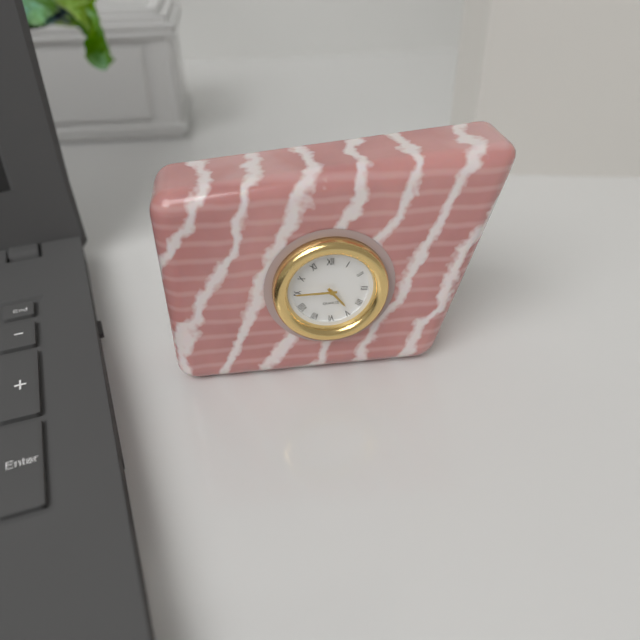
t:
4:45
